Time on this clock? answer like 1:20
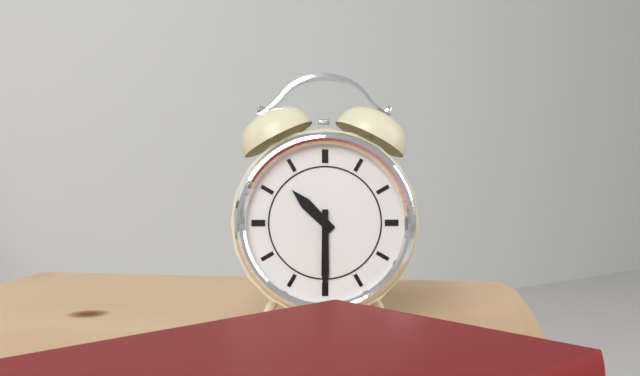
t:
10:30
